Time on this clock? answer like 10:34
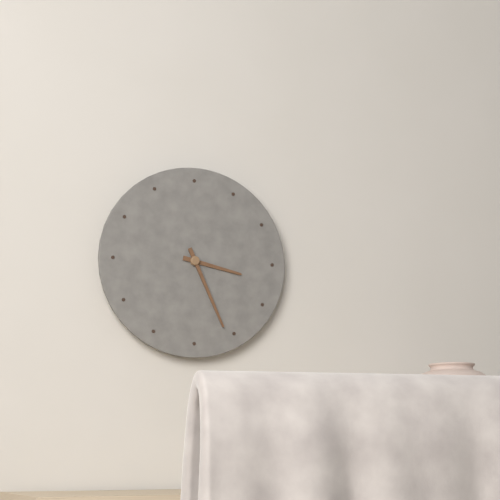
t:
3:26
